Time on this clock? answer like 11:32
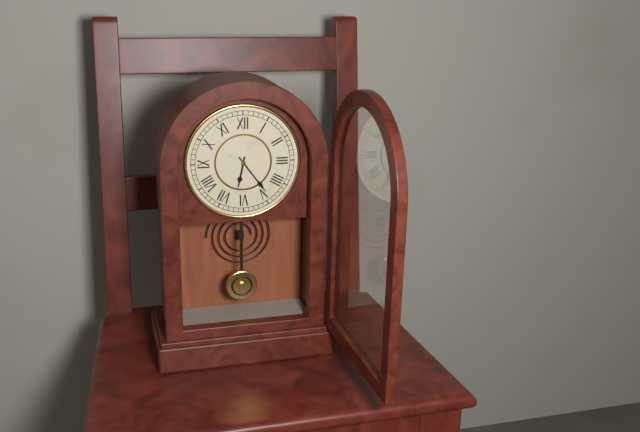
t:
6:24
